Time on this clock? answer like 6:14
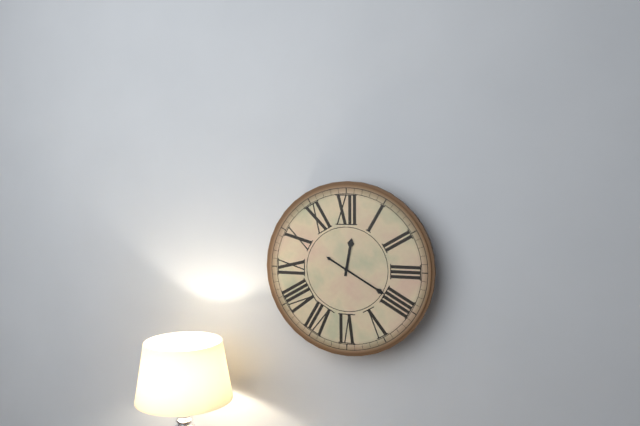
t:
12:20
